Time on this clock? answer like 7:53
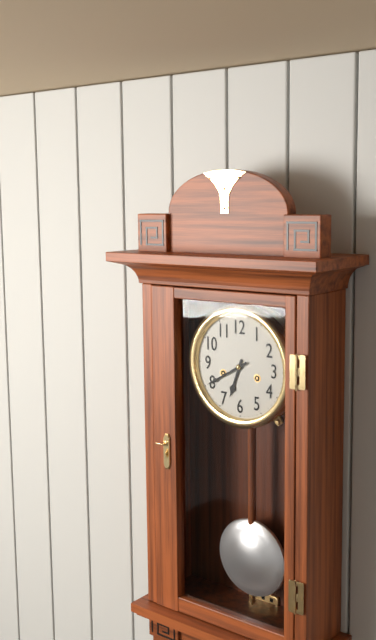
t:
6:40
